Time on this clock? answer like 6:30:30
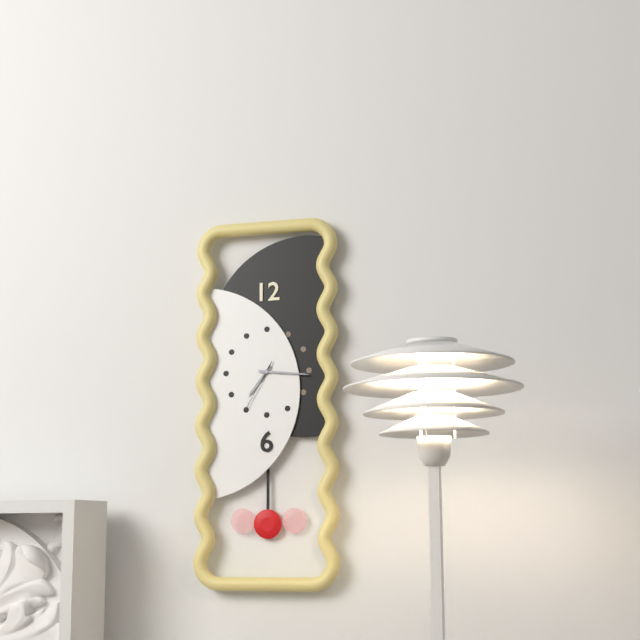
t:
7:16:35
